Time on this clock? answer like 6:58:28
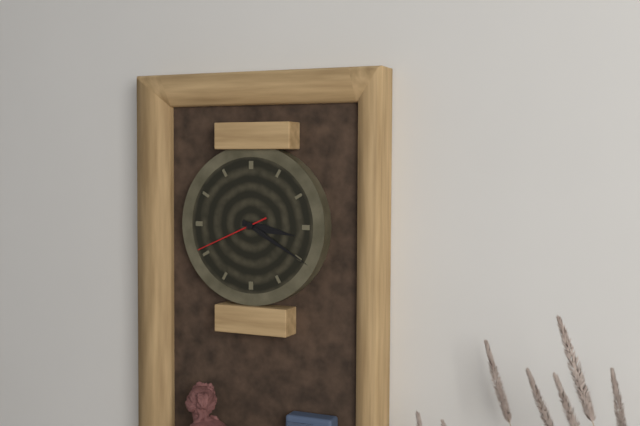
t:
3:20:41
